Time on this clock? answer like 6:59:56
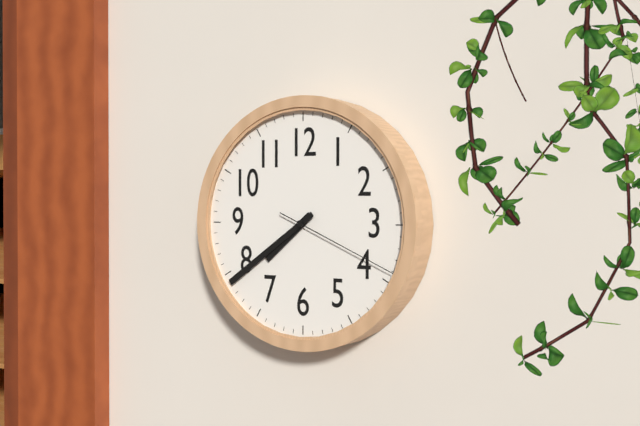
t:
7:39:19
